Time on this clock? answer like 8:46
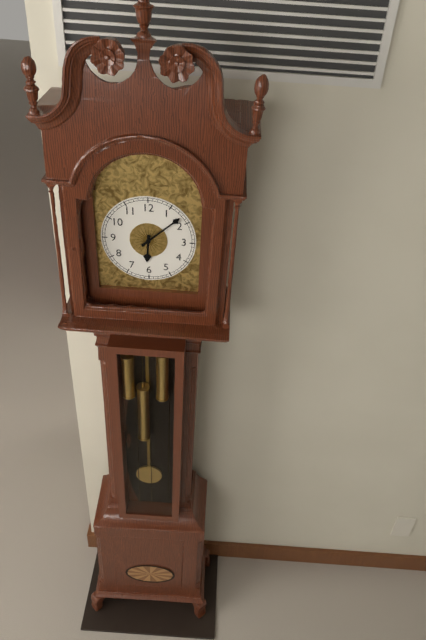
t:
6:08
